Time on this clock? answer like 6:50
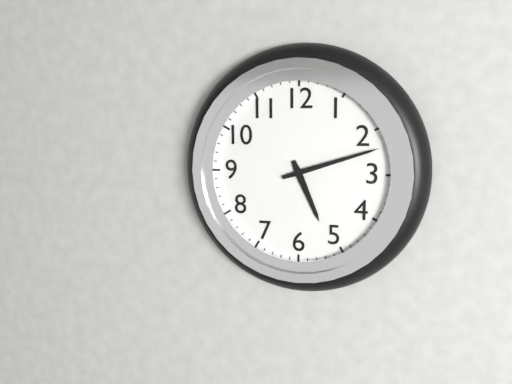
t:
5:12
